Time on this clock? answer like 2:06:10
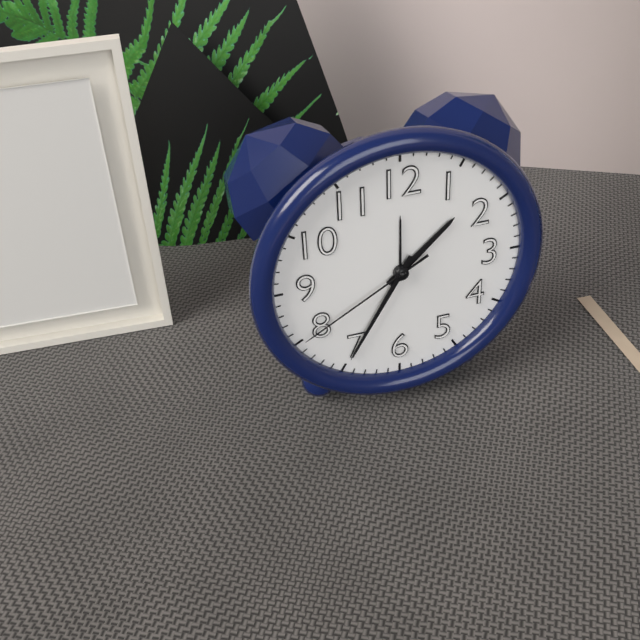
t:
1:35:40
